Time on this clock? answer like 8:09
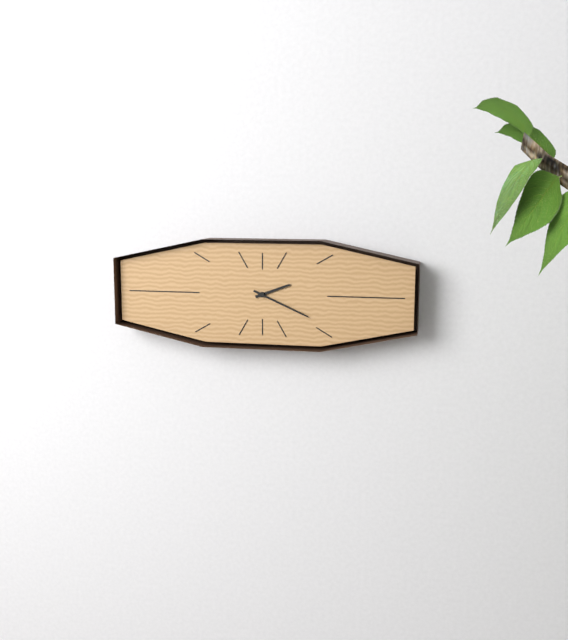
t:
2:19
